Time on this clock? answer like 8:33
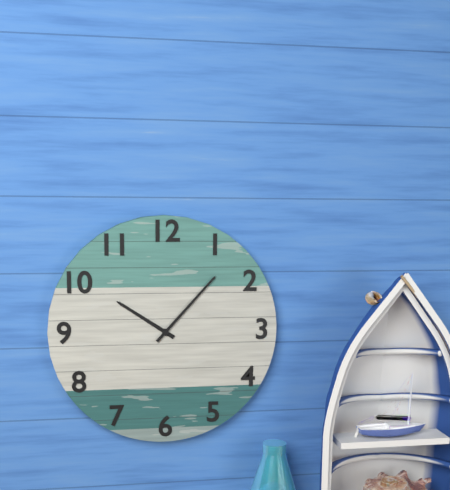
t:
10:07
